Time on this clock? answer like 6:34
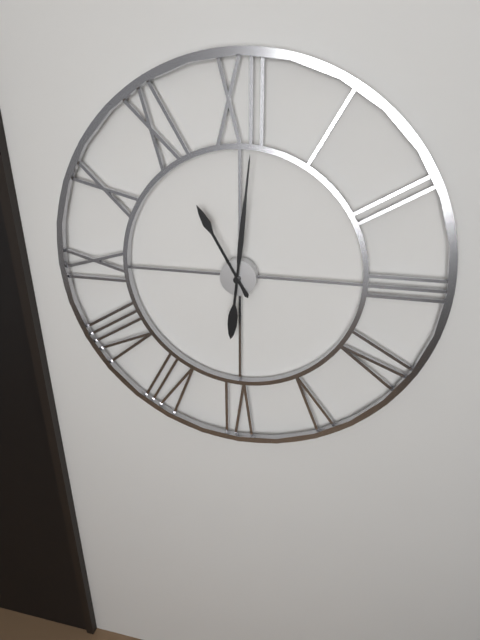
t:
11:01
